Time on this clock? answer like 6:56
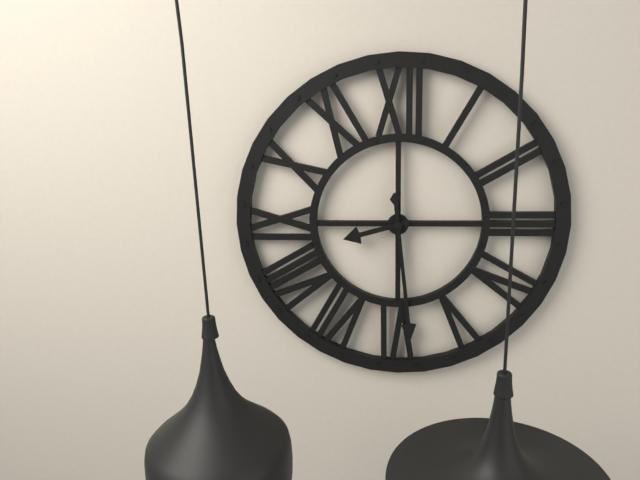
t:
8:29
